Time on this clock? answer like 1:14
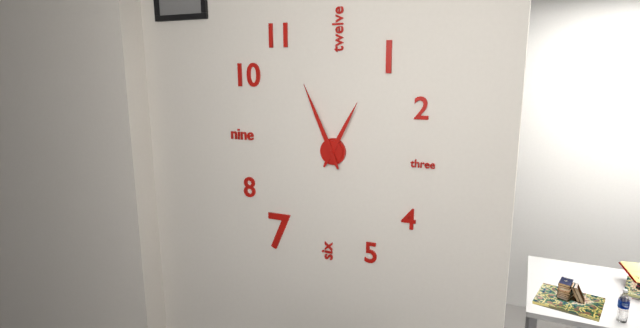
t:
12:56
